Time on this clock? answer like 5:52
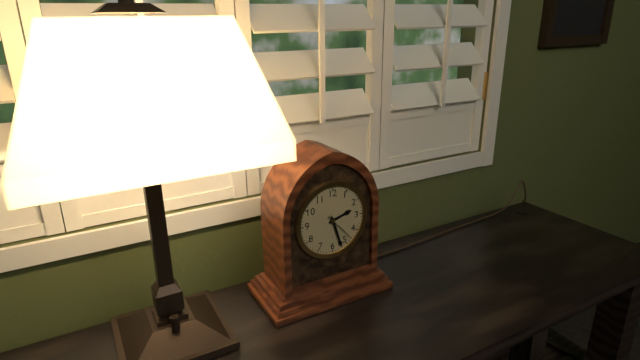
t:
2:27
